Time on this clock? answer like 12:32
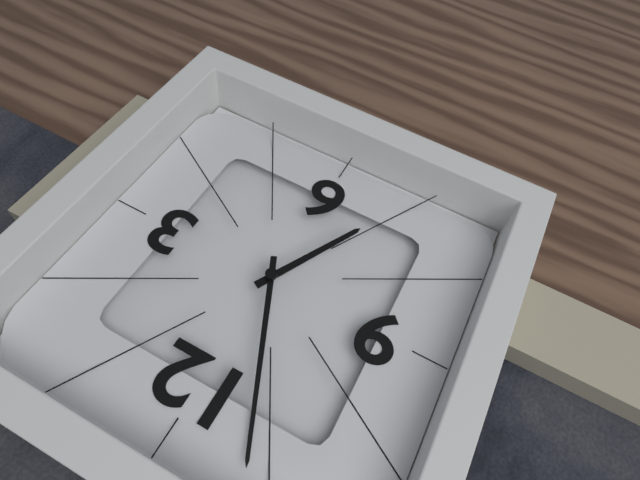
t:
6:56
